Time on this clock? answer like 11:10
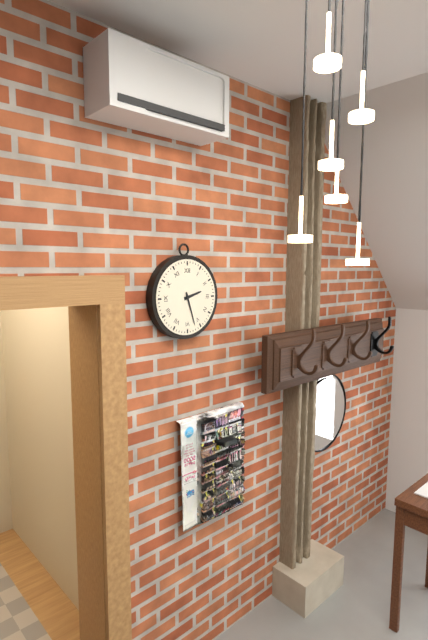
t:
2:27
